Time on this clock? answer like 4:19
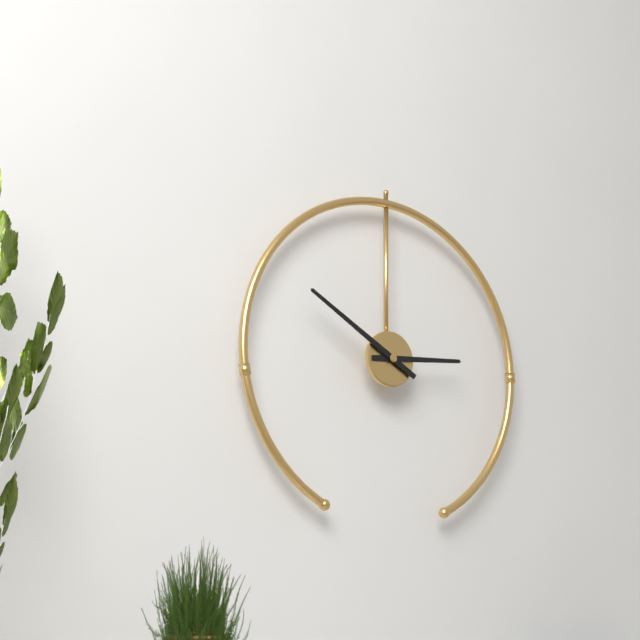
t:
2:50
